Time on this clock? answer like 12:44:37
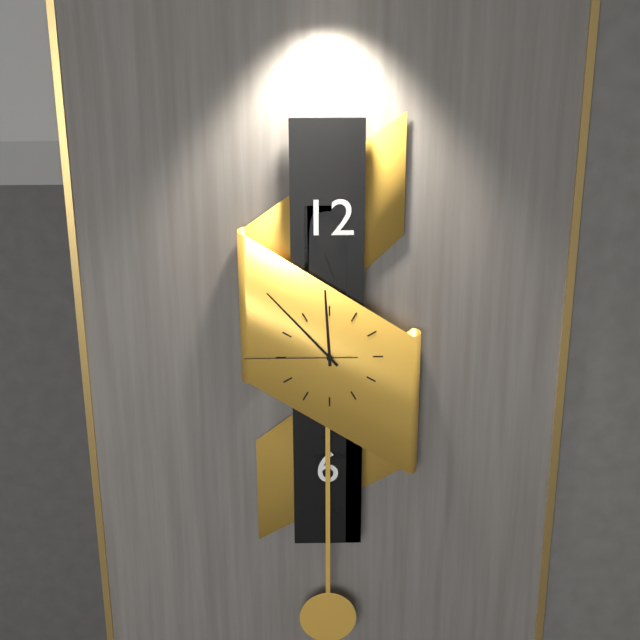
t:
11:53:45
